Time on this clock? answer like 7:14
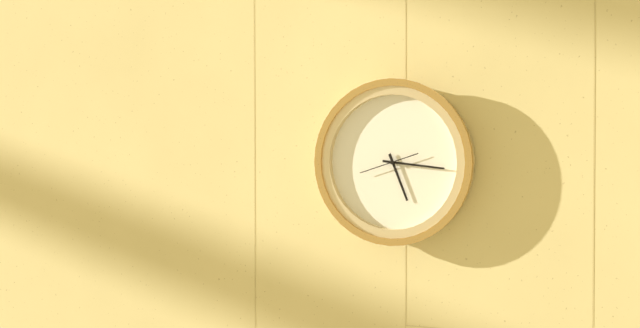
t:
5:16
